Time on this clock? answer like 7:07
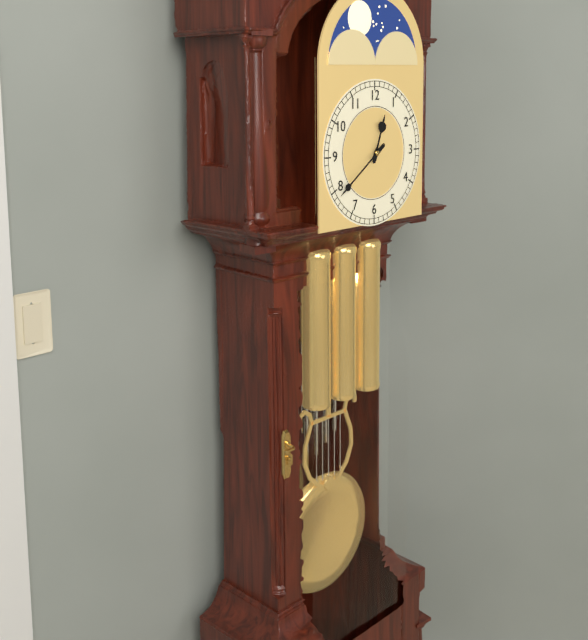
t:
12:39
